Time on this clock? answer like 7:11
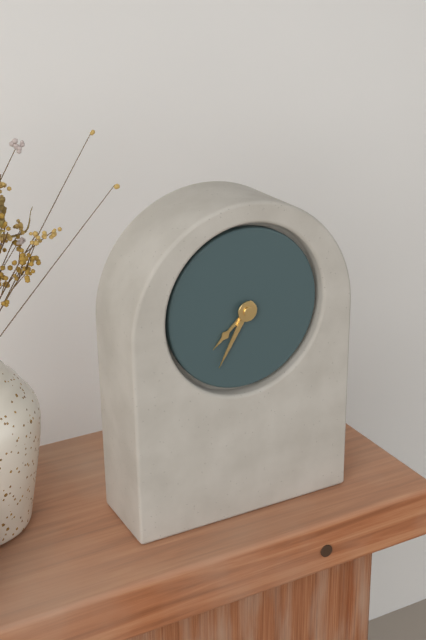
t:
7:35
